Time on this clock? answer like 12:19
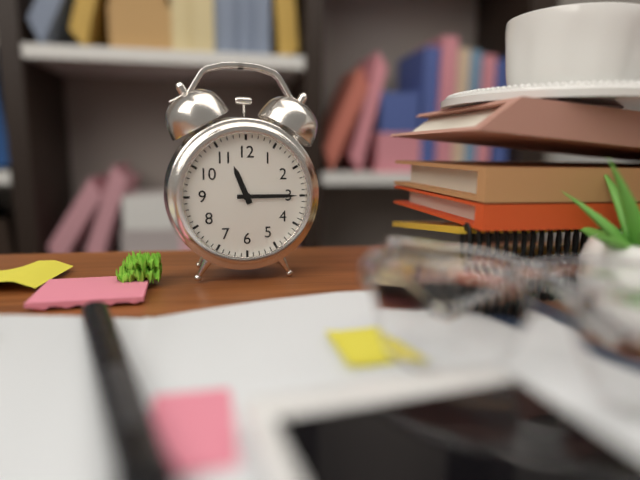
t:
11:15
